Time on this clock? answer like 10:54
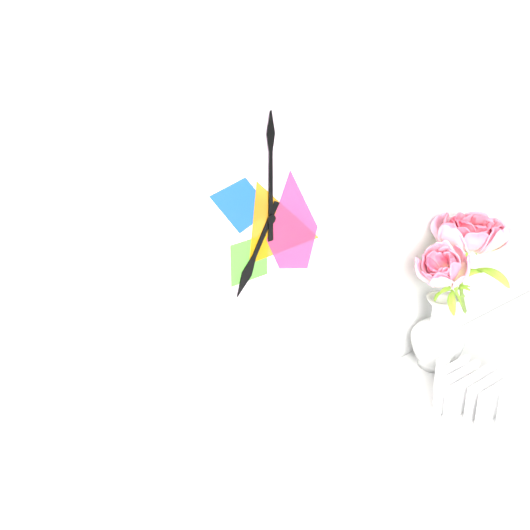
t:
7:00
